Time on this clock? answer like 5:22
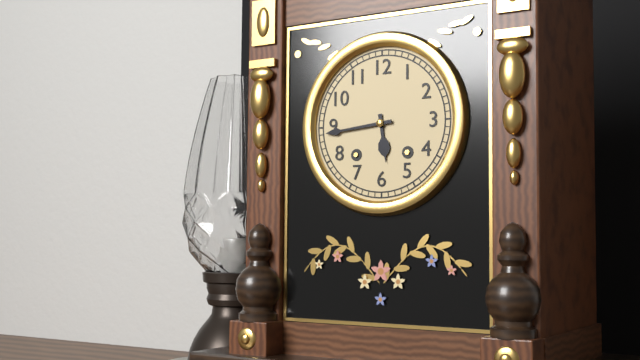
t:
5:44
